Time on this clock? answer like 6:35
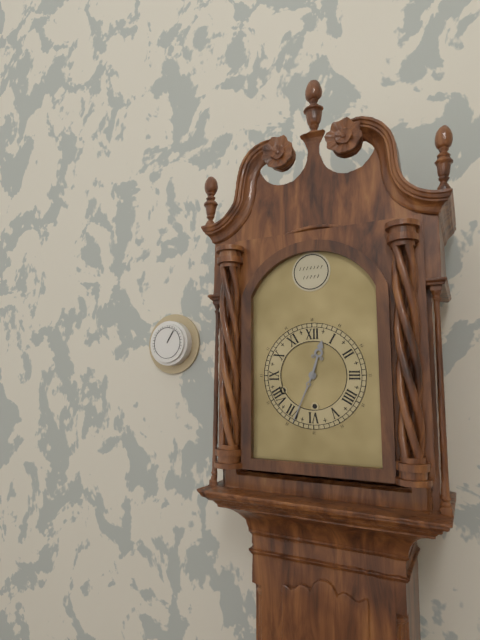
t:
12:34
